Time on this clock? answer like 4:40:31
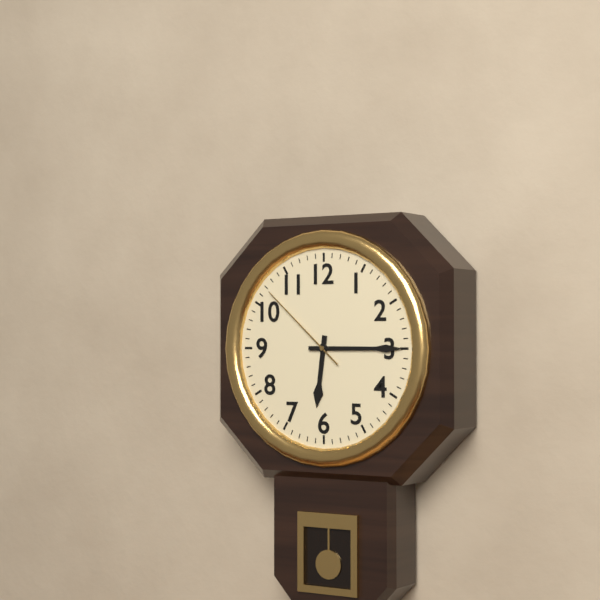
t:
6:15:52
